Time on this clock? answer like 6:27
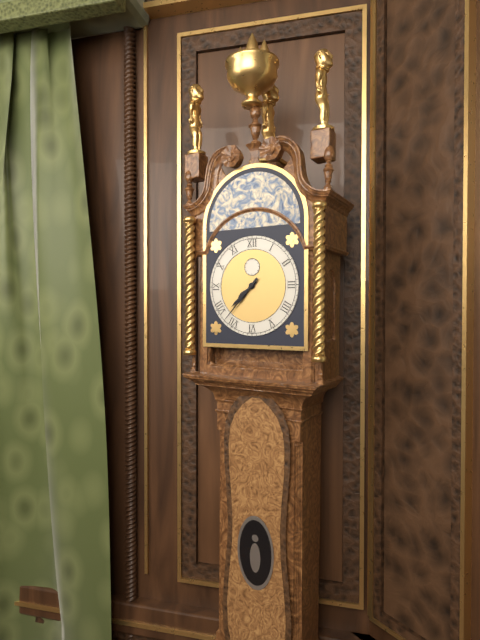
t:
7:37
